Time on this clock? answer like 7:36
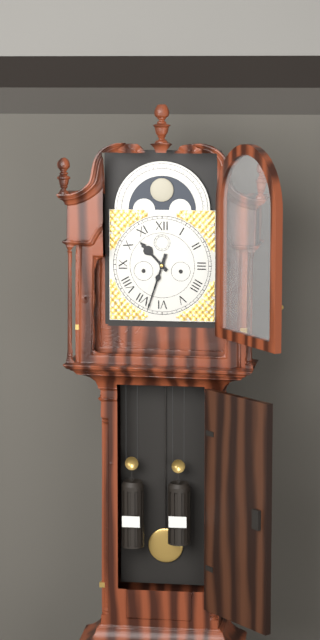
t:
10:33
